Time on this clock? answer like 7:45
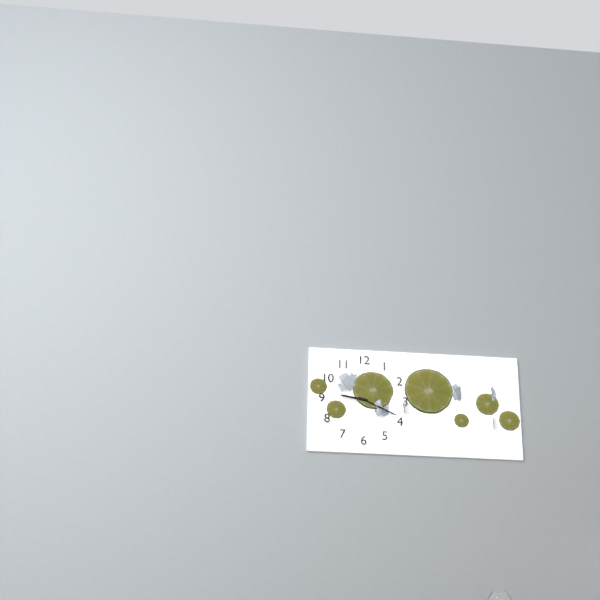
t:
9:19
